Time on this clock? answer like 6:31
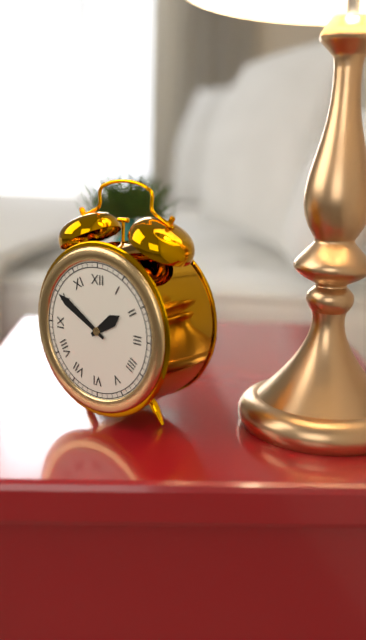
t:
1:50
